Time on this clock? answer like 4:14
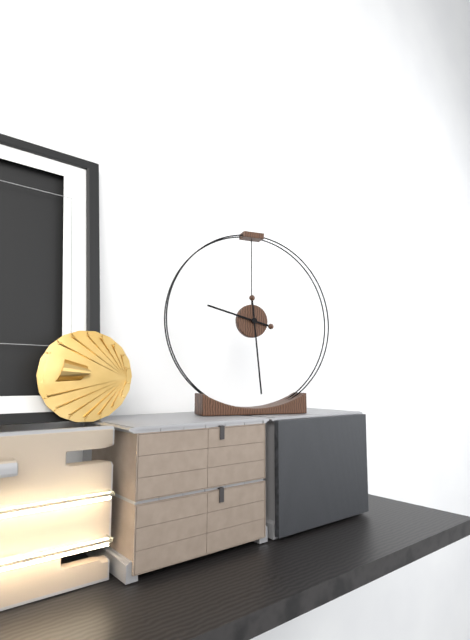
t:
9:29
